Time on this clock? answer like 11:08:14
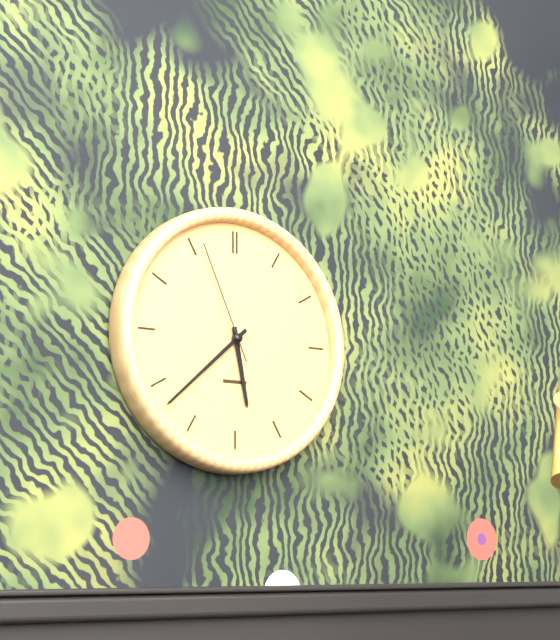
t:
5:38:56
